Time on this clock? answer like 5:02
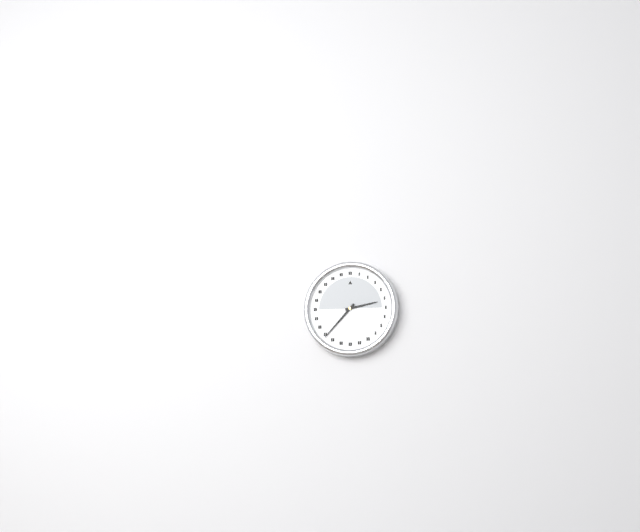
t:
2:37
